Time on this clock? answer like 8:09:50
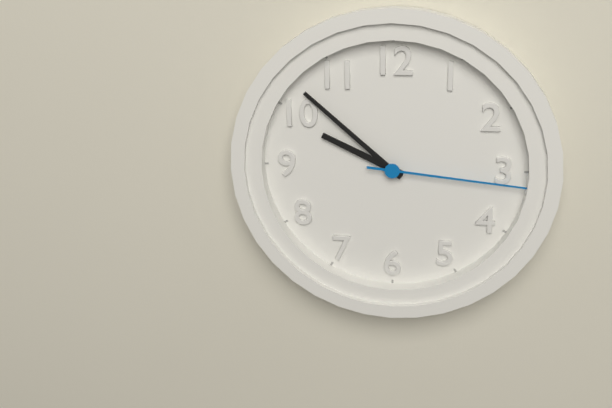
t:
9:52:16
